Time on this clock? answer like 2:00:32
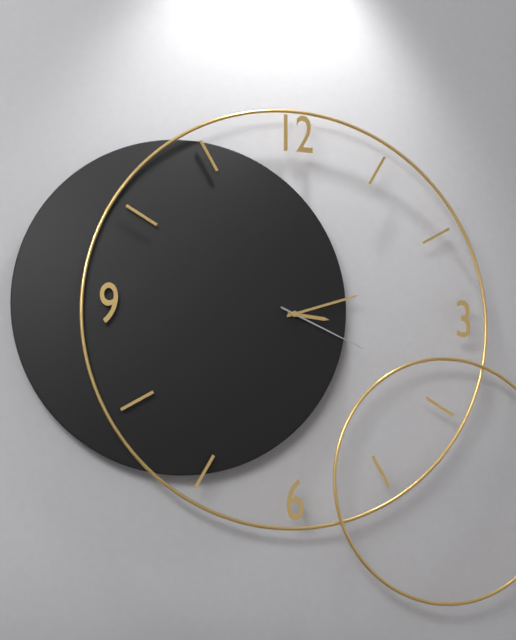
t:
3:12:19
